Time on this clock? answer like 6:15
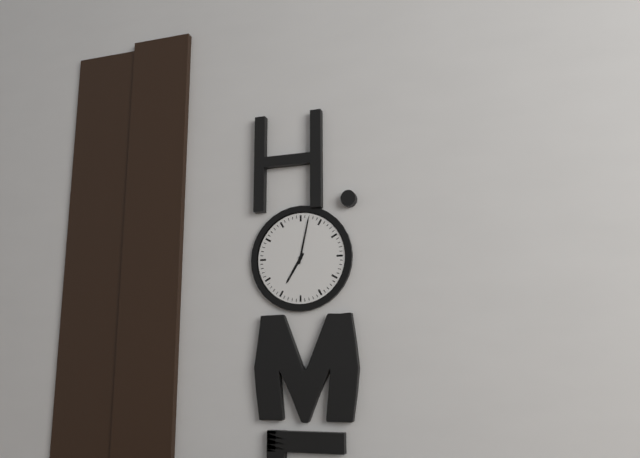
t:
7:02
